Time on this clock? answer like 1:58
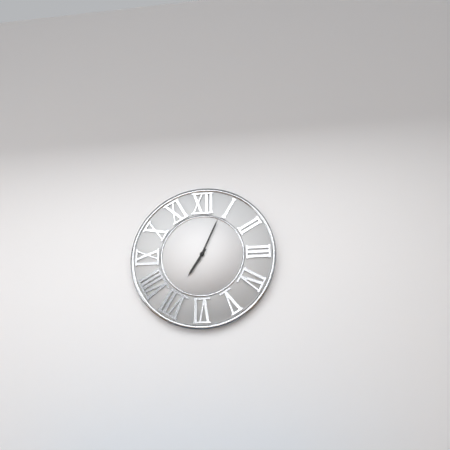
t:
7:04
